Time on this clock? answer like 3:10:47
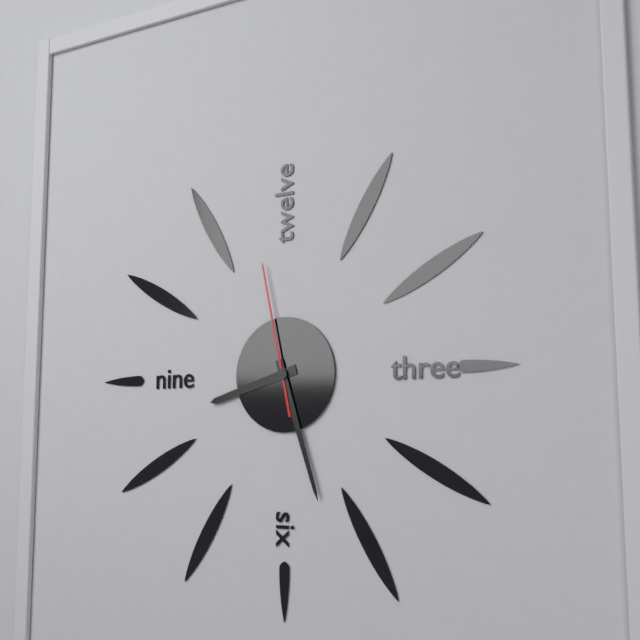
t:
8:27:58
